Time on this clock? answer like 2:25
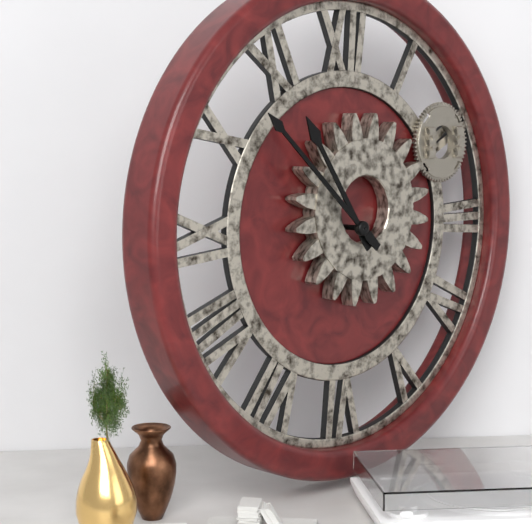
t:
10:52
